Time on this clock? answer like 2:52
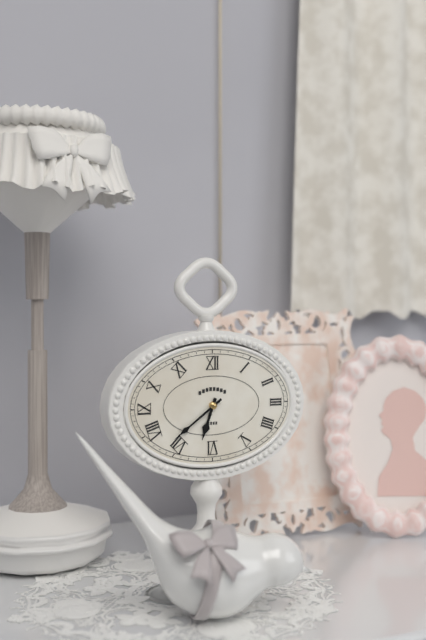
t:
6:39
